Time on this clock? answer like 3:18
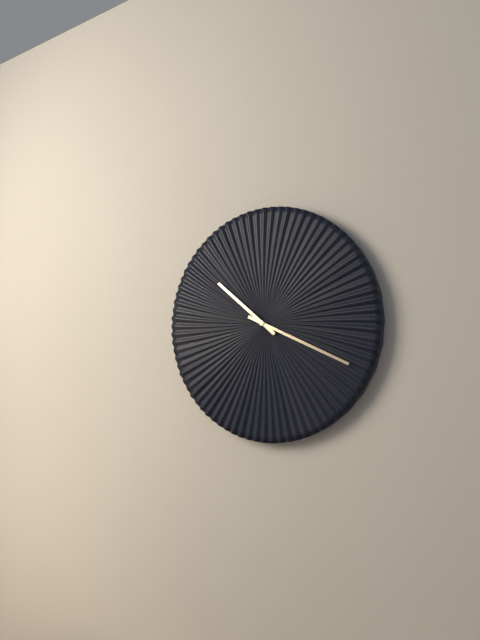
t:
10:19
